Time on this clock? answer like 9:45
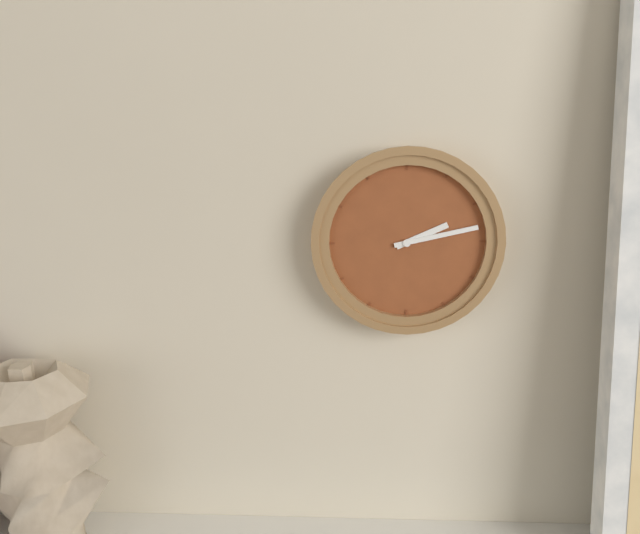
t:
2:13
